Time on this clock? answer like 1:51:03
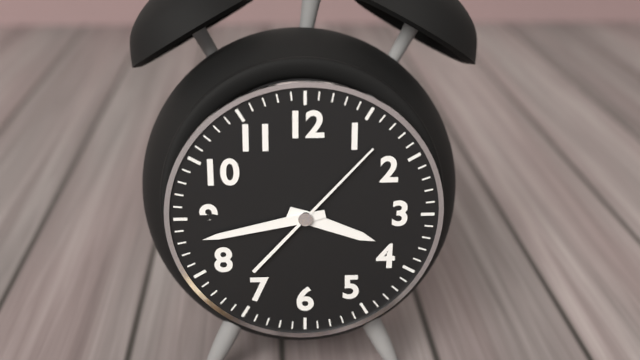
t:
3:43:07
